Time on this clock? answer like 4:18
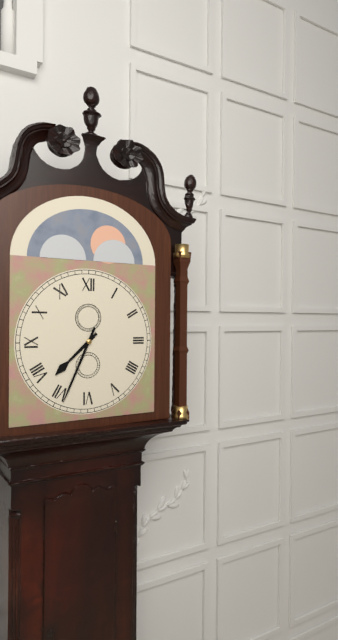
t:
7:34
